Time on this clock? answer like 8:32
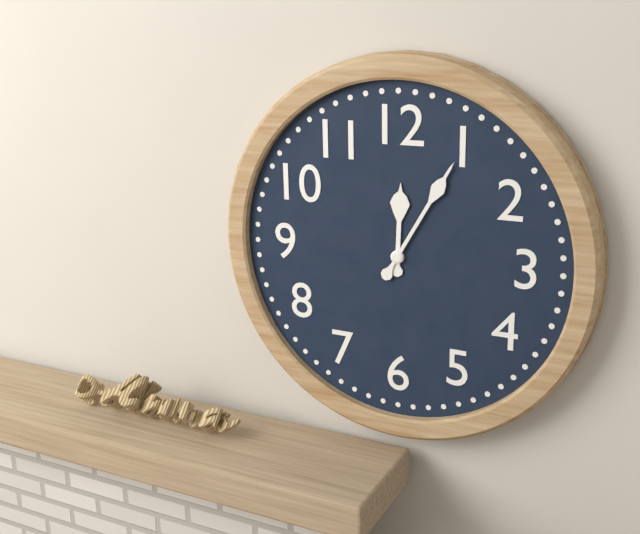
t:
12:05
